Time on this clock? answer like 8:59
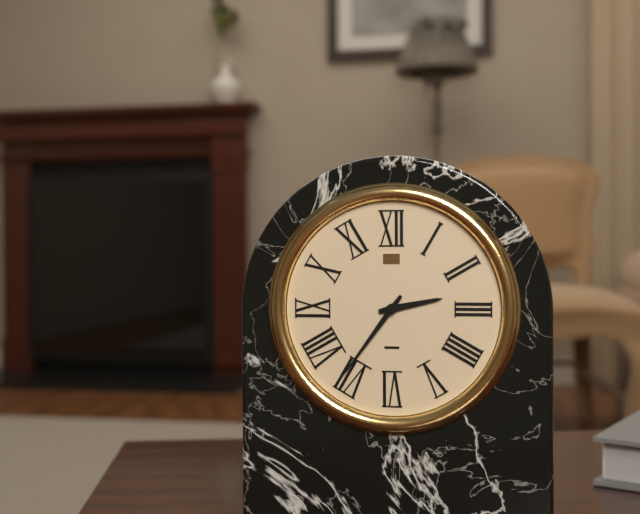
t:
2:36
